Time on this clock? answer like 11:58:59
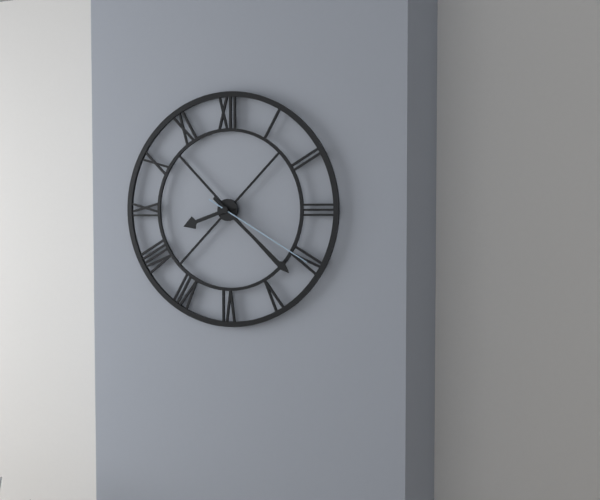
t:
8:22:20
